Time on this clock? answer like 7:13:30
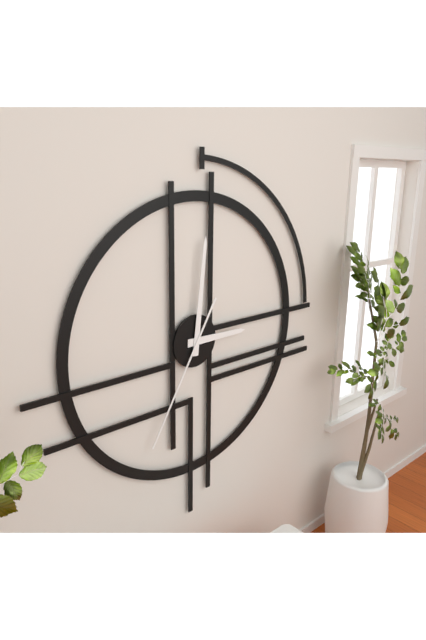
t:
3:01:35
